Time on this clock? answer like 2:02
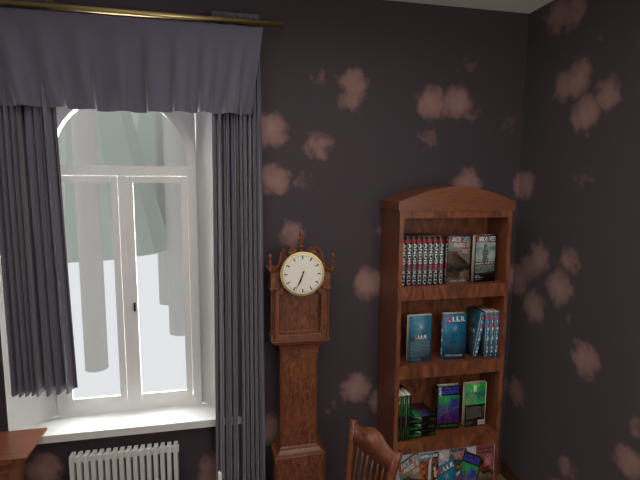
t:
6:34
